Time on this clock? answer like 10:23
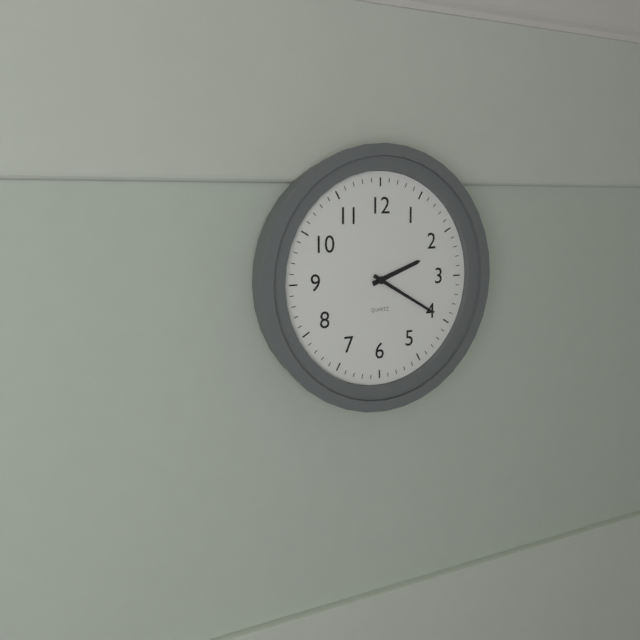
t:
2:20
